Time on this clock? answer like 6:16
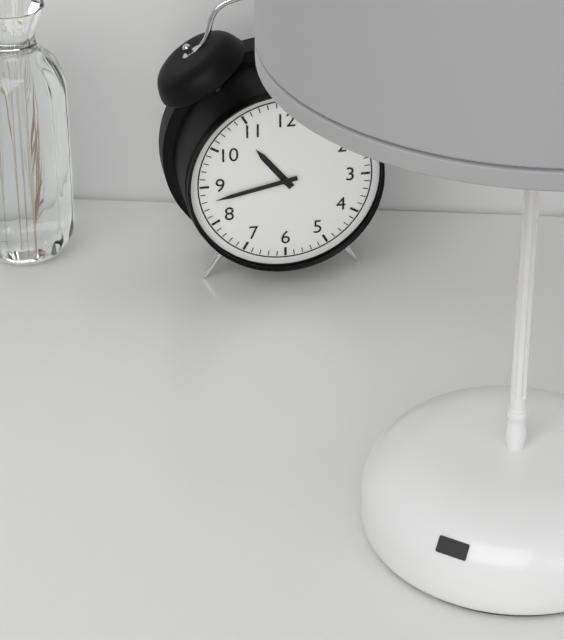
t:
10:43
